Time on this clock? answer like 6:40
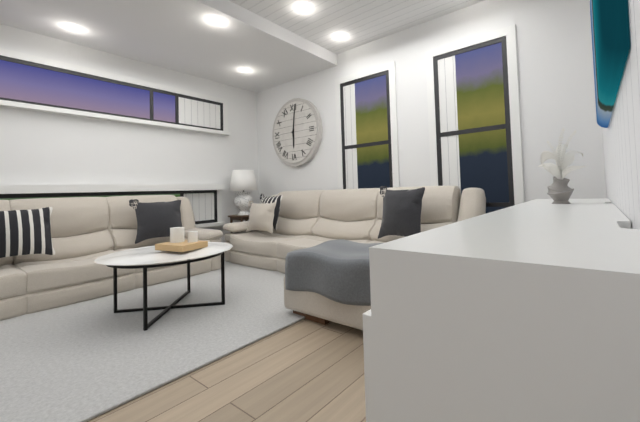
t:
6:01
